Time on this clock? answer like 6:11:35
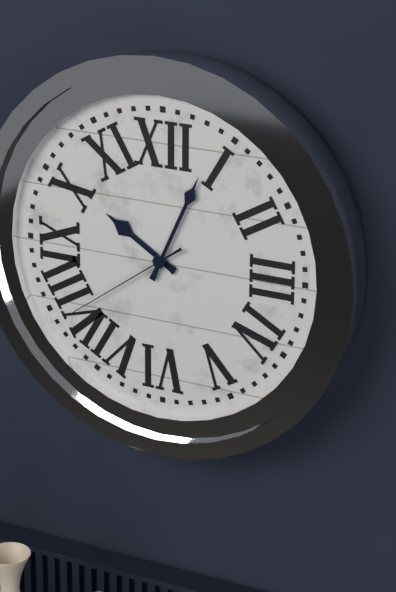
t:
10:04:39
